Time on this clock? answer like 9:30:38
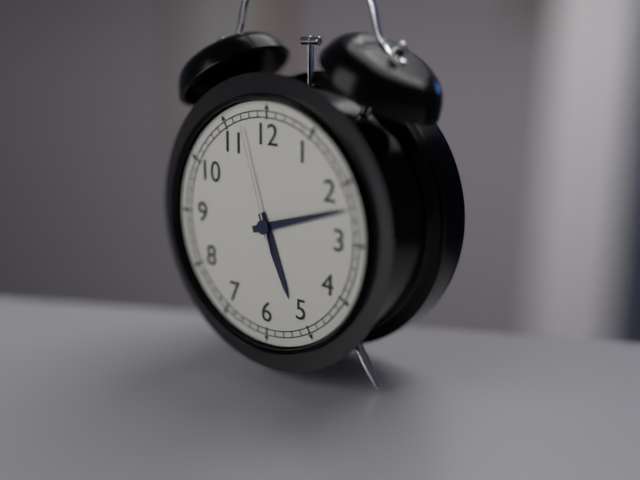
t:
5:12:57
